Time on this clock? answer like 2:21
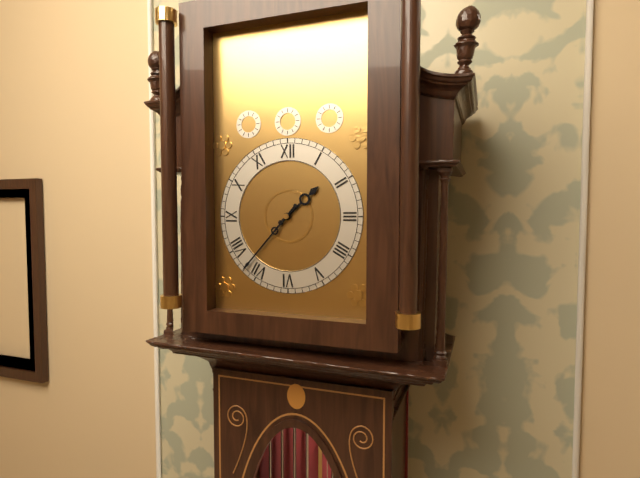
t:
1:37
